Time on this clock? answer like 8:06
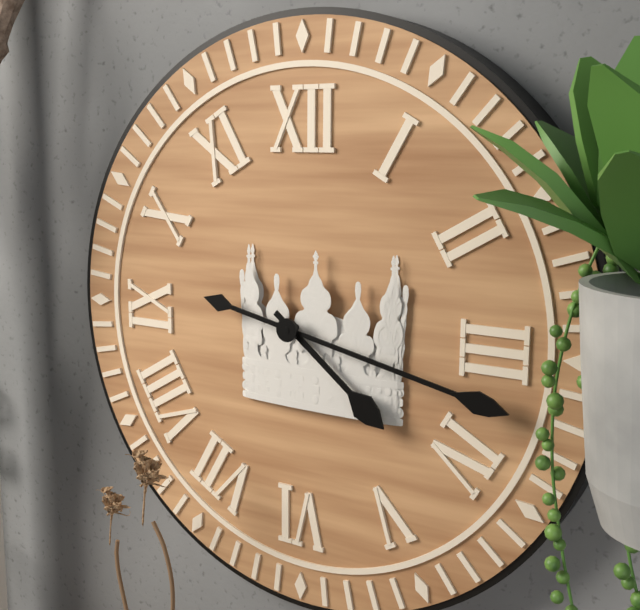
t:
4:17
